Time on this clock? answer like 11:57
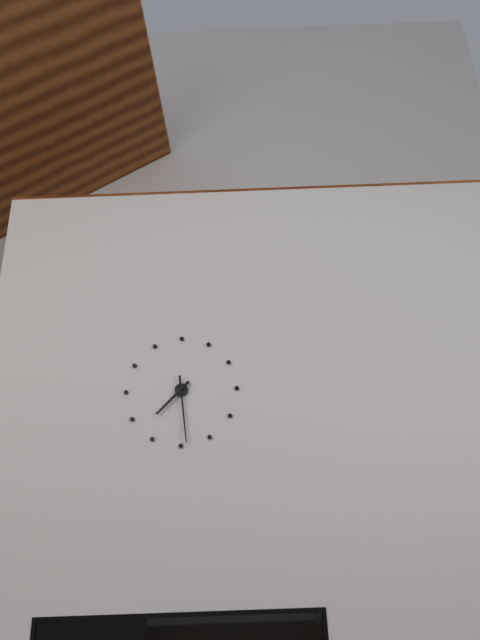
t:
7:29
